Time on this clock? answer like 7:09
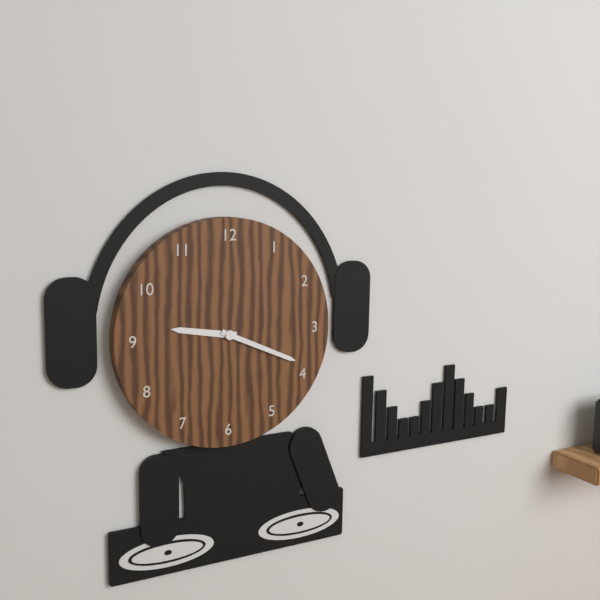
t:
9:19
